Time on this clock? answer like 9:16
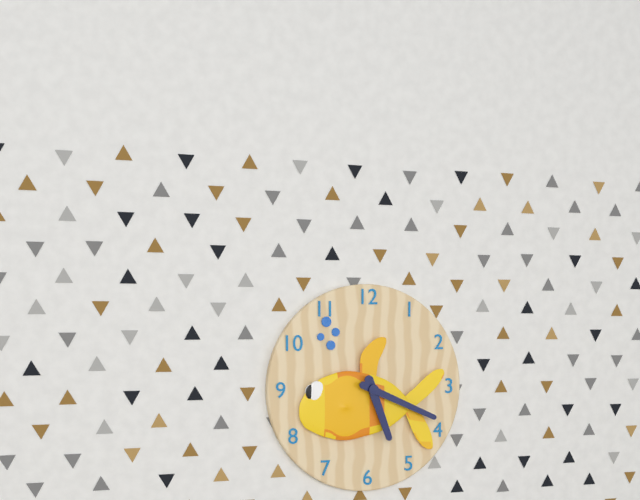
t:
5:19
